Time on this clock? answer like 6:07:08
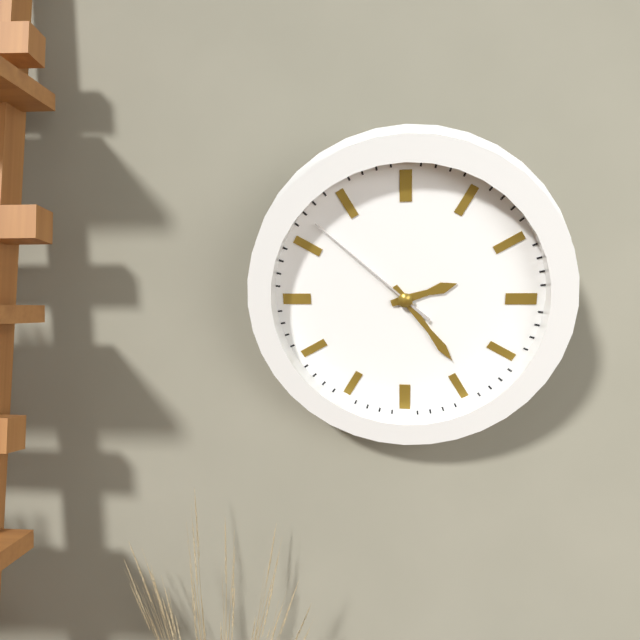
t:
2:24:52
